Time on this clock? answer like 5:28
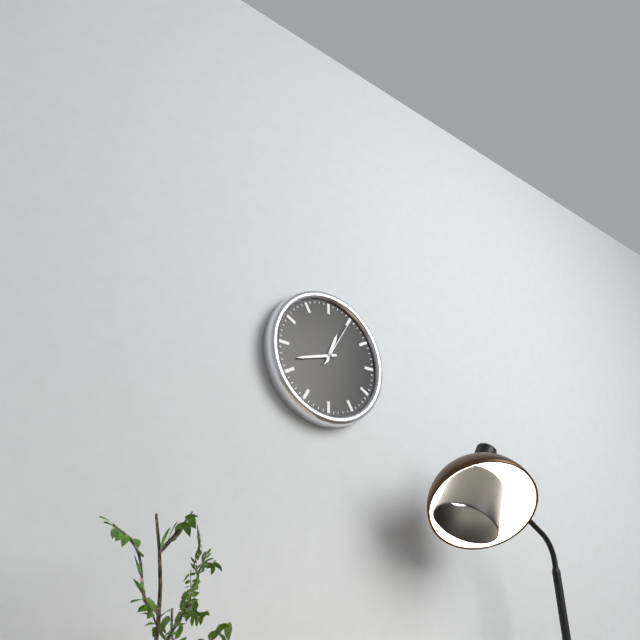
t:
12:42
